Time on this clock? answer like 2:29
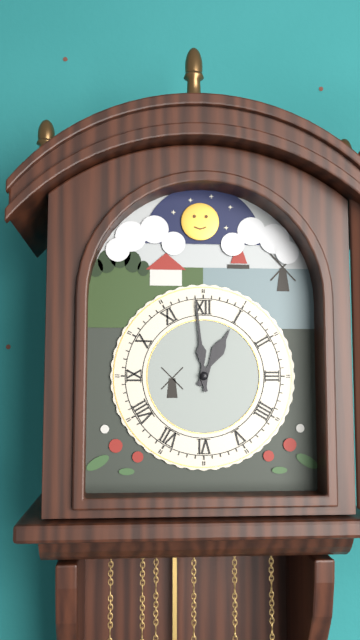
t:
12:59
